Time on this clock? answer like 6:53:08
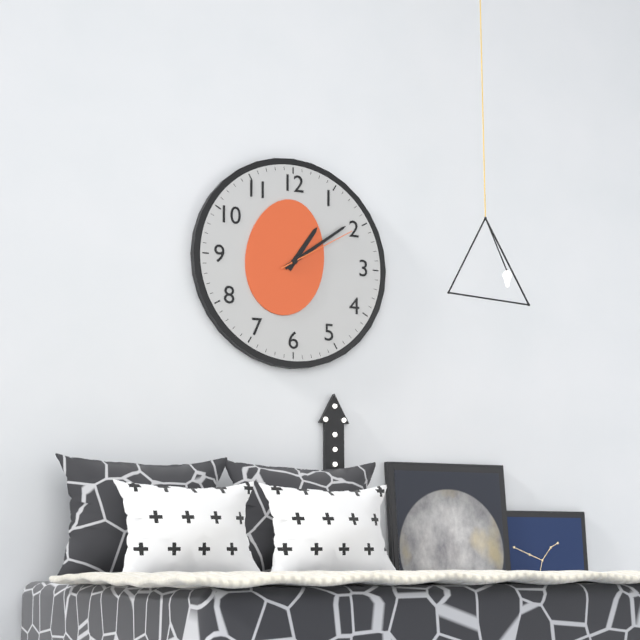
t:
1:09:10
